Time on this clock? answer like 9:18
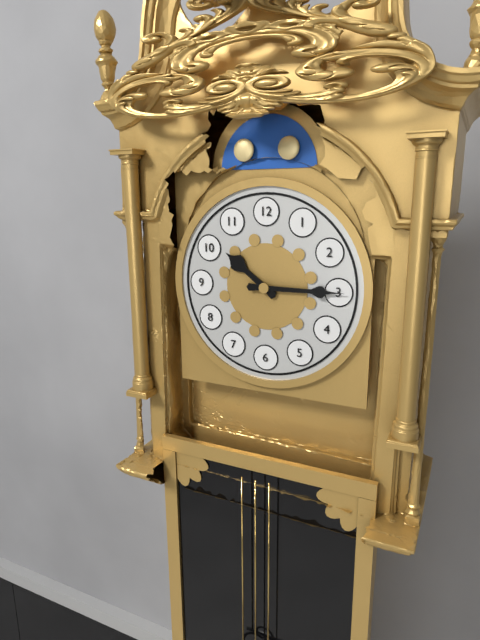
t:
10:15
